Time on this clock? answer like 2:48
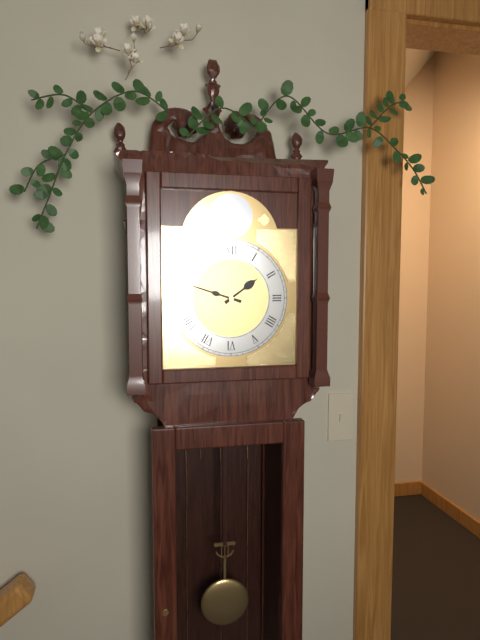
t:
1:48
